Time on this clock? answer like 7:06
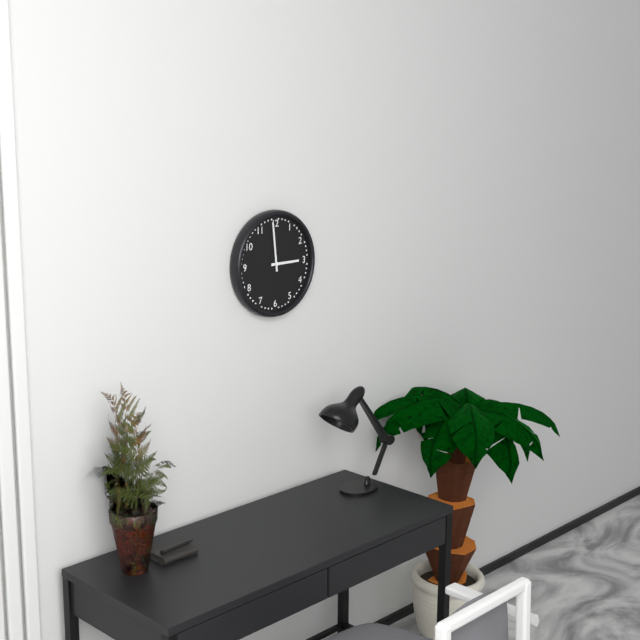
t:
2:59
